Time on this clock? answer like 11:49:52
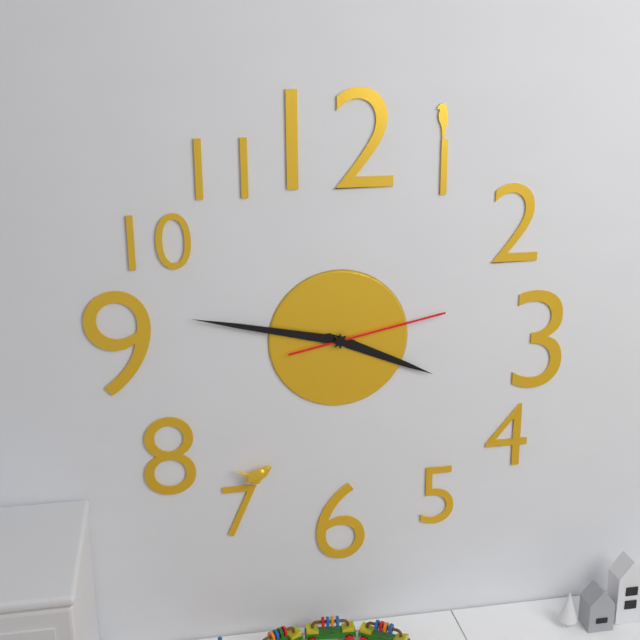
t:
3:47:13
